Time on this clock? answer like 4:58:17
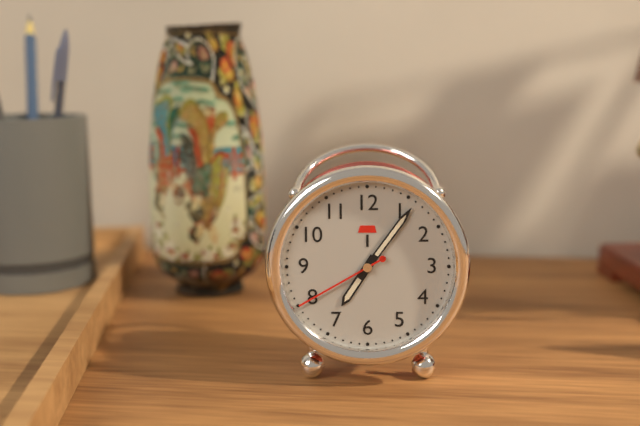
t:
7:06:40
